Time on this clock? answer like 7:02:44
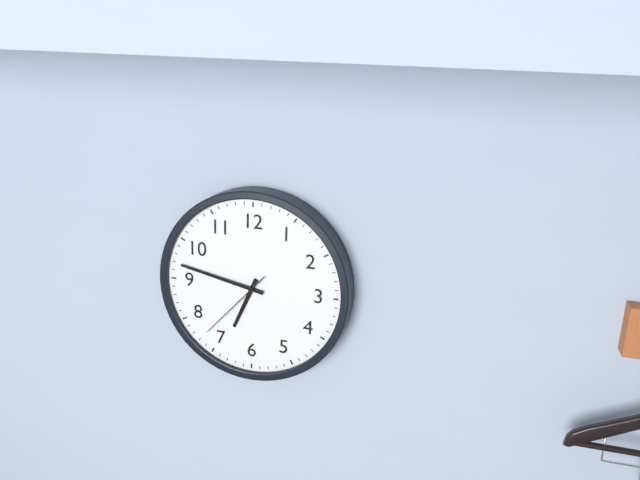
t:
6:47:37
